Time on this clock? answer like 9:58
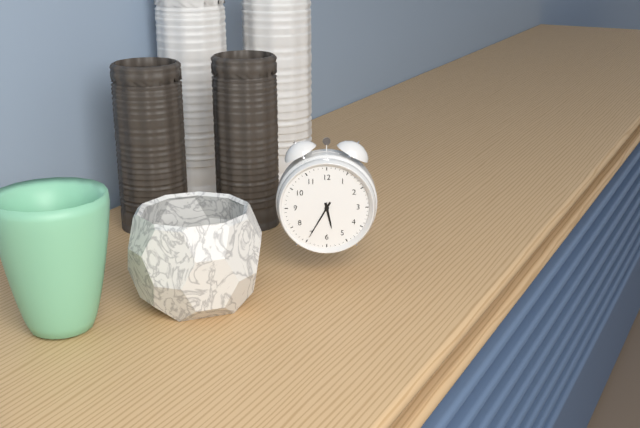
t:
5:35
